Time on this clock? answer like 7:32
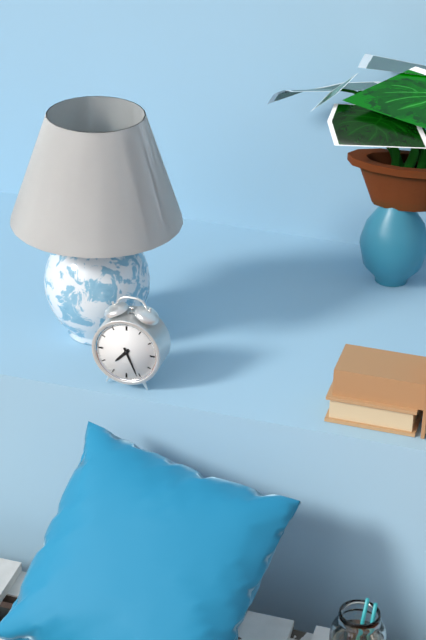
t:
7:26
